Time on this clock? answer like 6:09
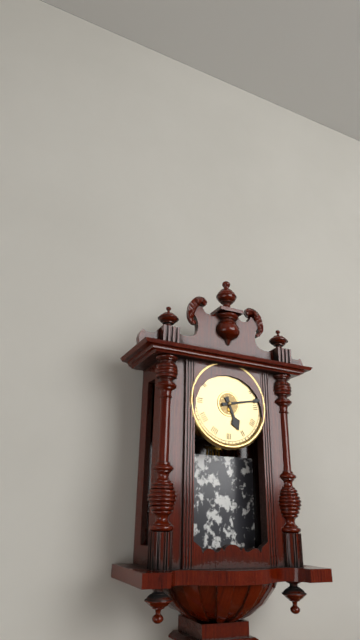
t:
5:13
